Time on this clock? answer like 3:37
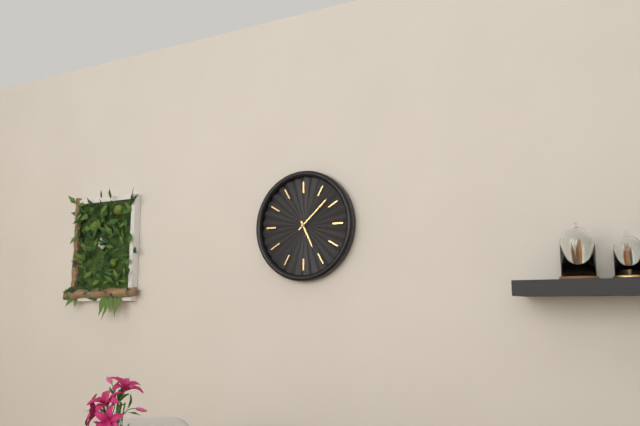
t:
5:08
